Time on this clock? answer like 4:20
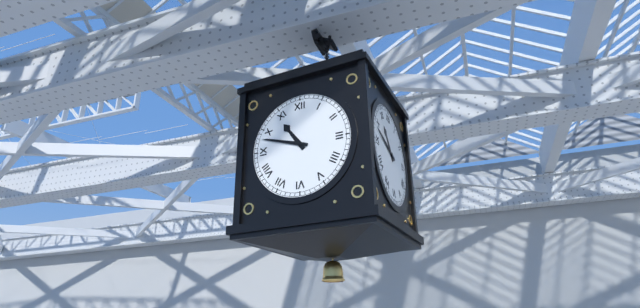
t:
10:48
